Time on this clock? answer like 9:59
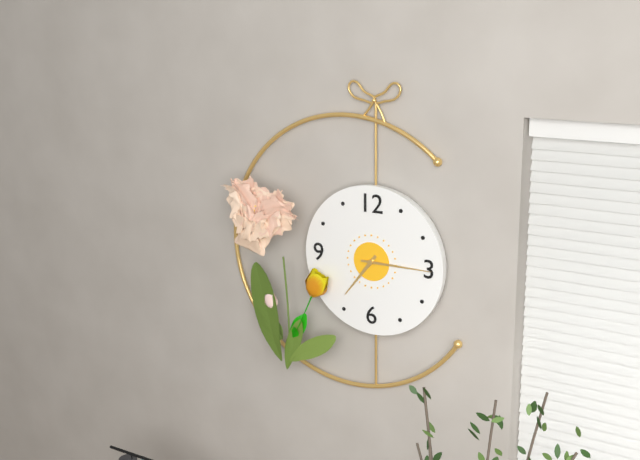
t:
7:15
